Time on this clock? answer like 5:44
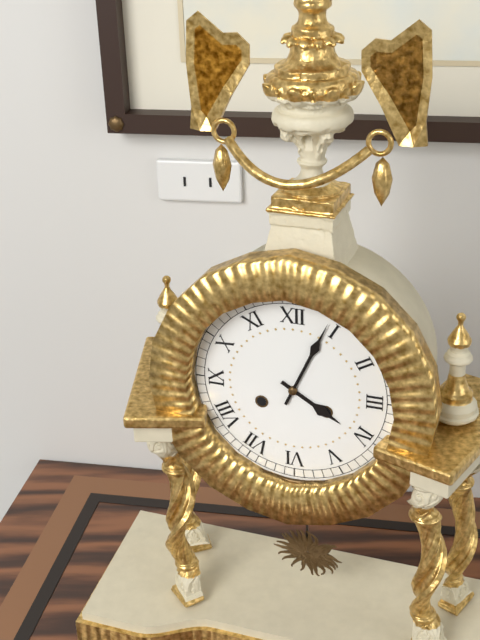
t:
4:04
